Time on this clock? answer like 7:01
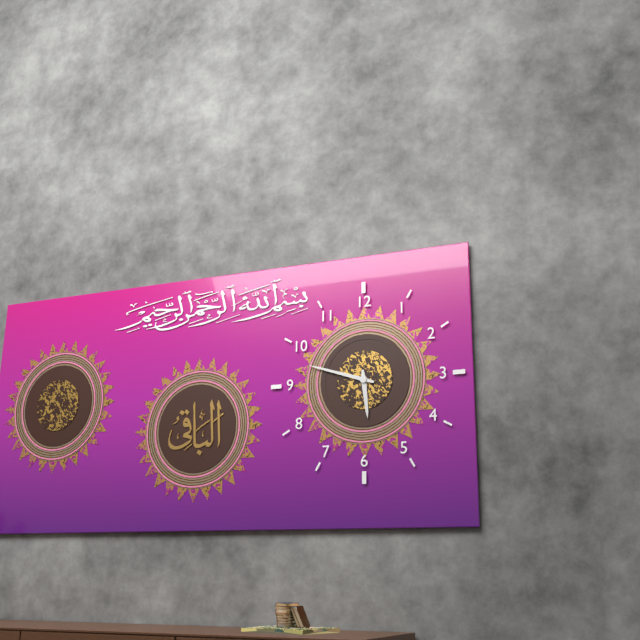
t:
5:48
